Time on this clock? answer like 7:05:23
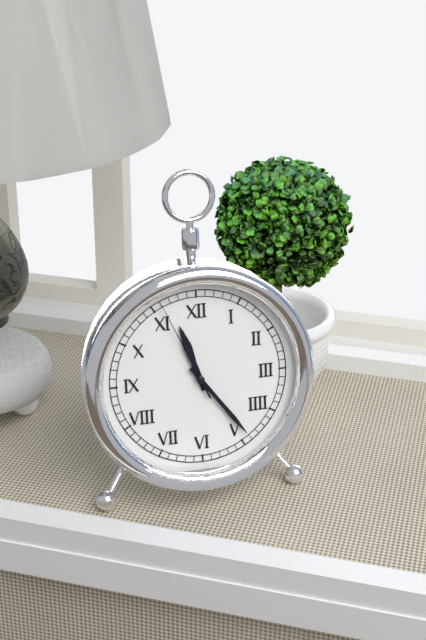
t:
11:24:56
